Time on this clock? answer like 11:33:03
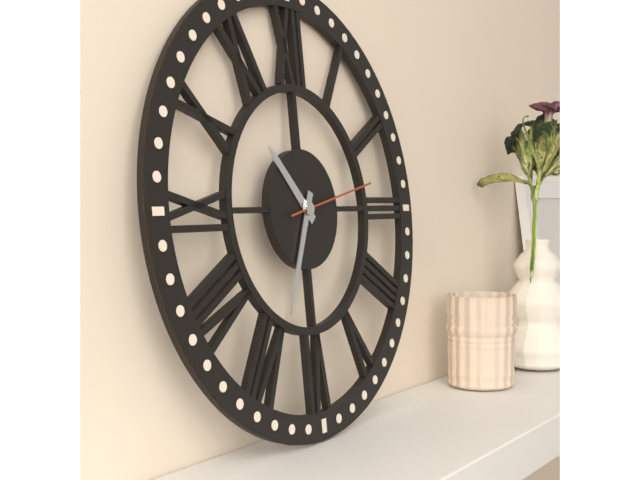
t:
10:34:13
